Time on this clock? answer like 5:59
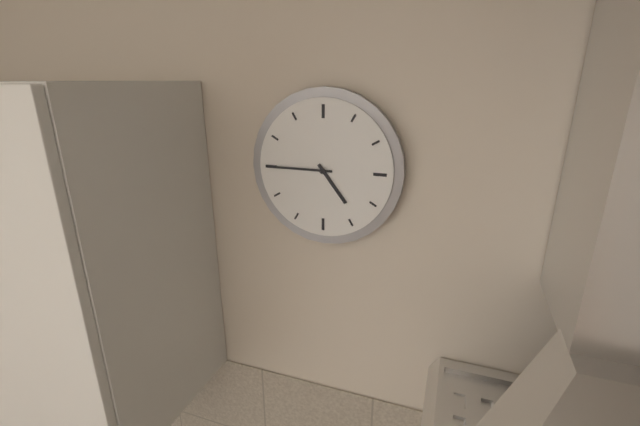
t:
4:45
